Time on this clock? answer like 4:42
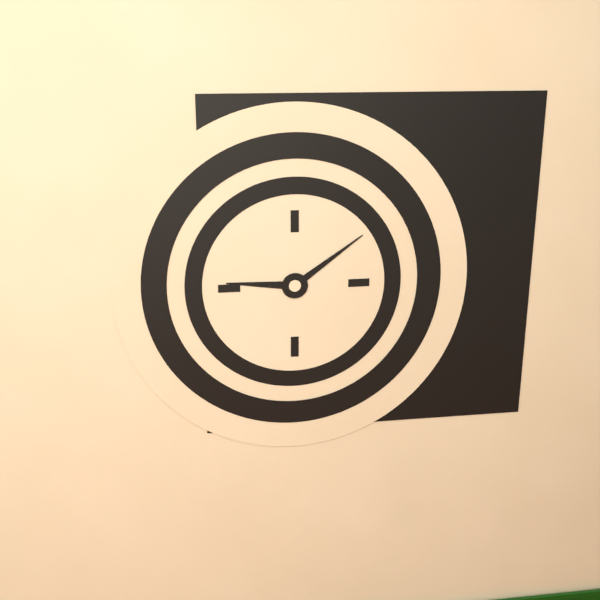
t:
9:09
